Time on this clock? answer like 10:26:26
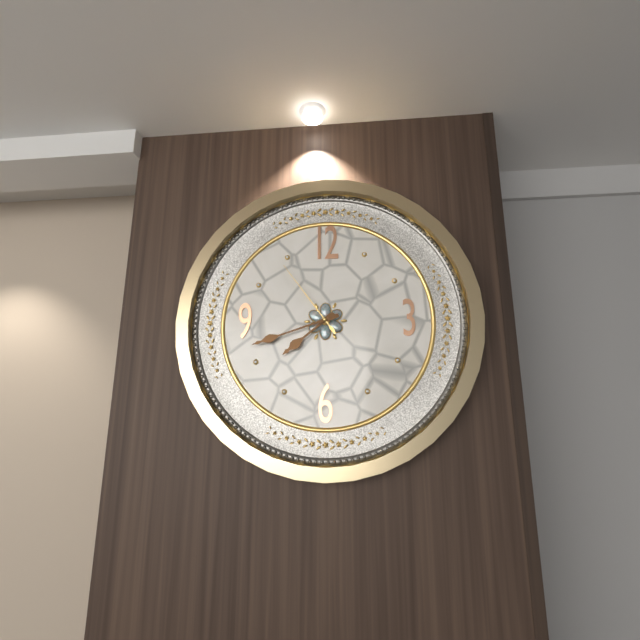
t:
7:42:54
